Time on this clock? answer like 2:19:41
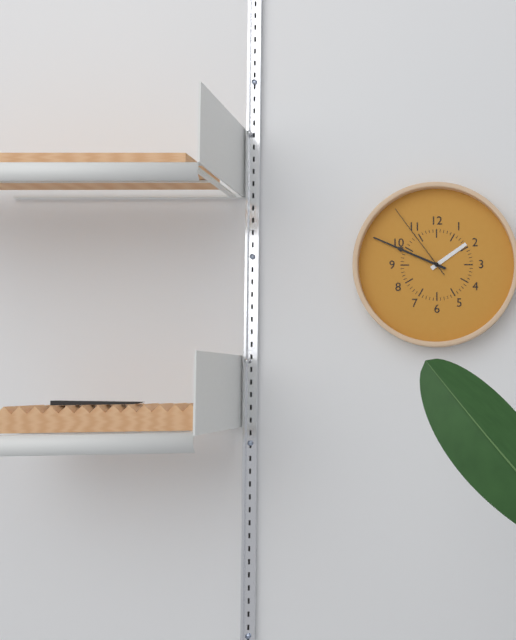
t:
1:49:54
